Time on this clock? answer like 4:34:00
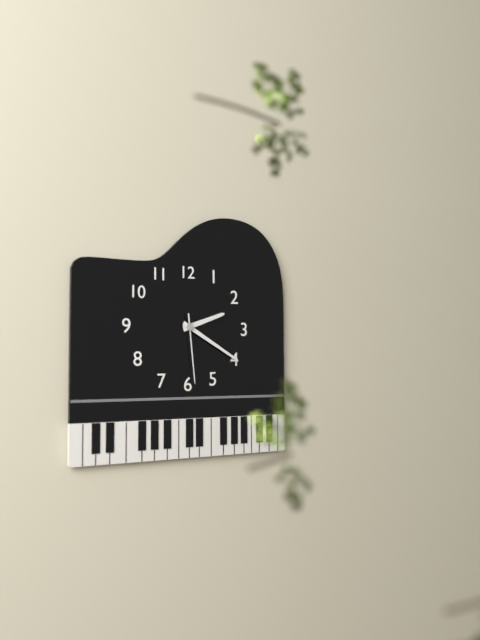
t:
2:20:29
